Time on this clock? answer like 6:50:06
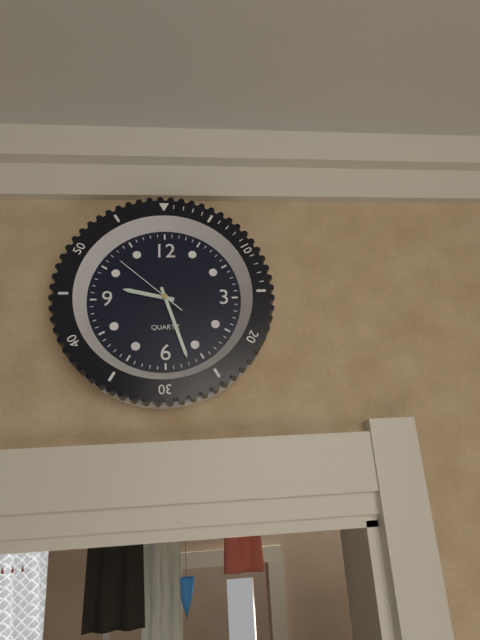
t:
9:27:52
